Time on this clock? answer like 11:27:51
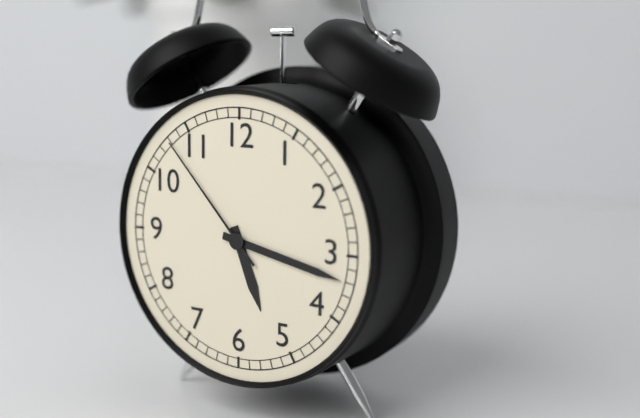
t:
5:17:53
